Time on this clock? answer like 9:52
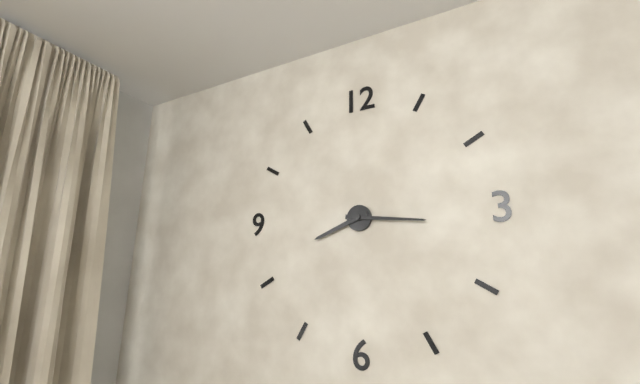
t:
8:16
